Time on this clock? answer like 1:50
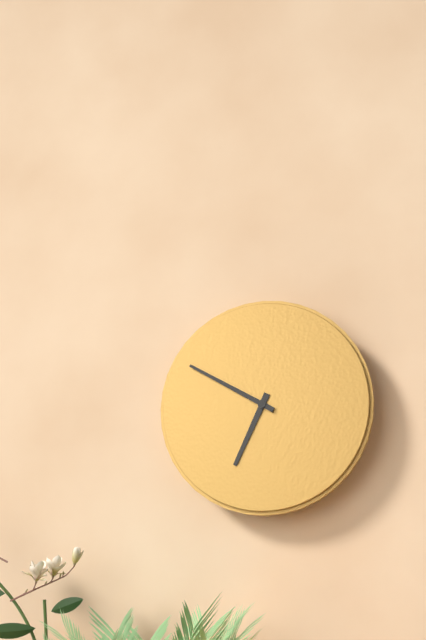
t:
6:50
